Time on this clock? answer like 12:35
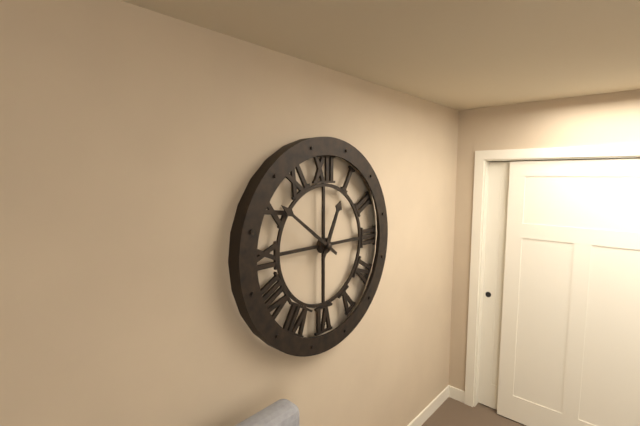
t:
12:51
